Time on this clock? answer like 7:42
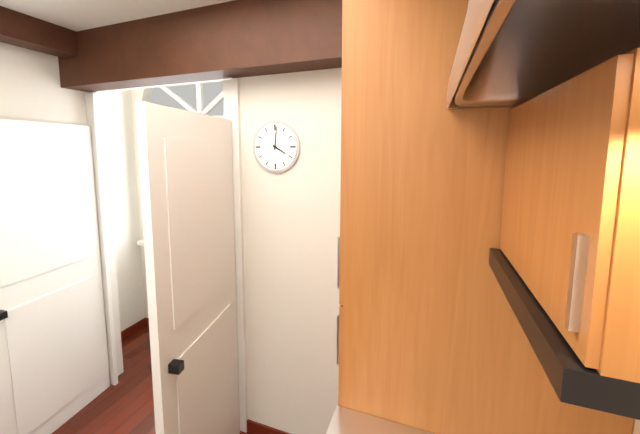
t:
4:01
